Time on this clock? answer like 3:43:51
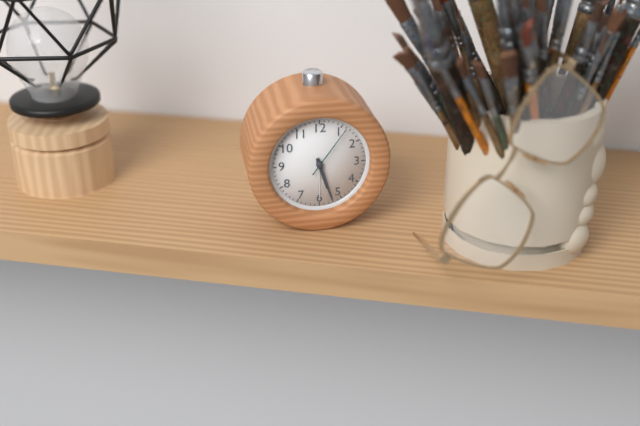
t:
5:27:06
